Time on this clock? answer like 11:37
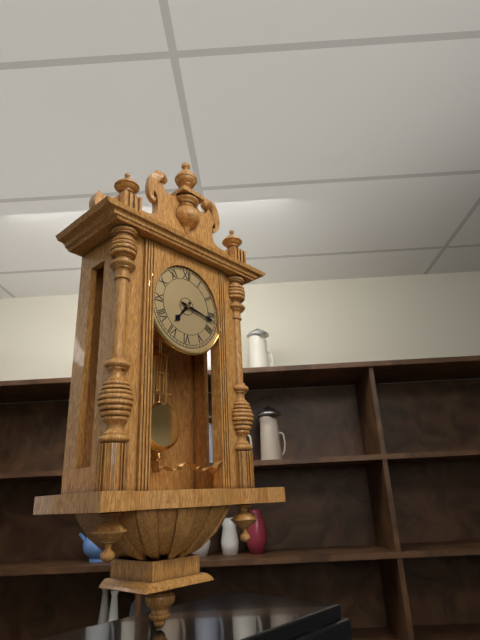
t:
7:17
